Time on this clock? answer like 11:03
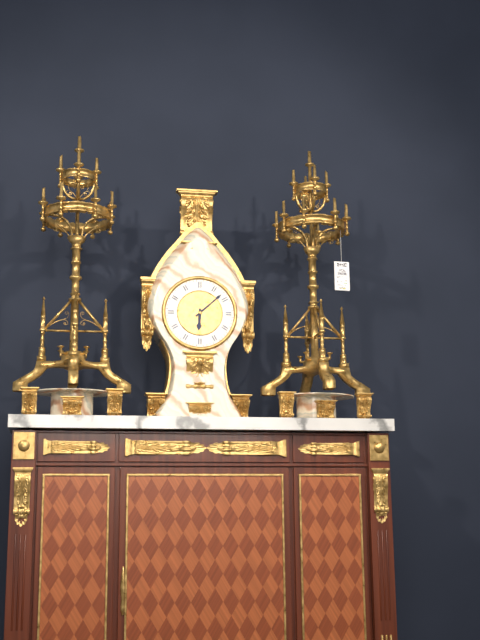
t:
6:08
